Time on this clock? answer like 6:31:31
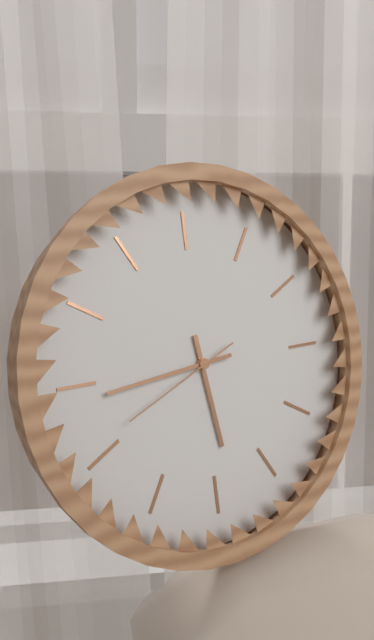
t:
5:44:41
